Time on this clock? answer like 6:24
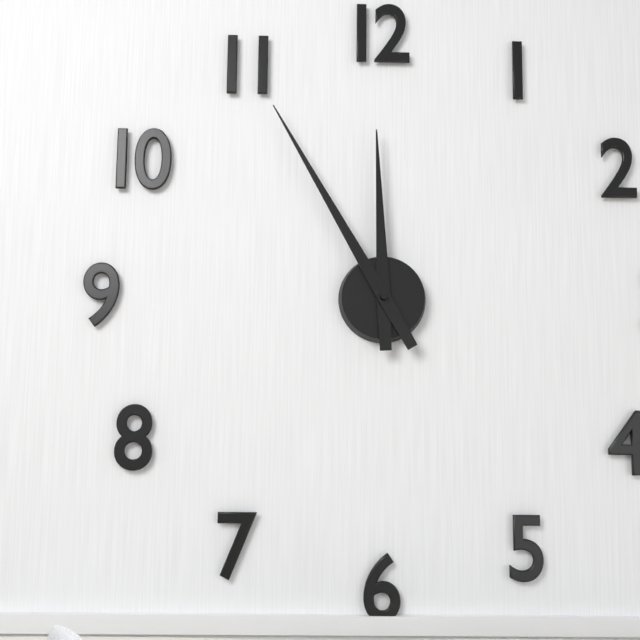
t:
11:55
